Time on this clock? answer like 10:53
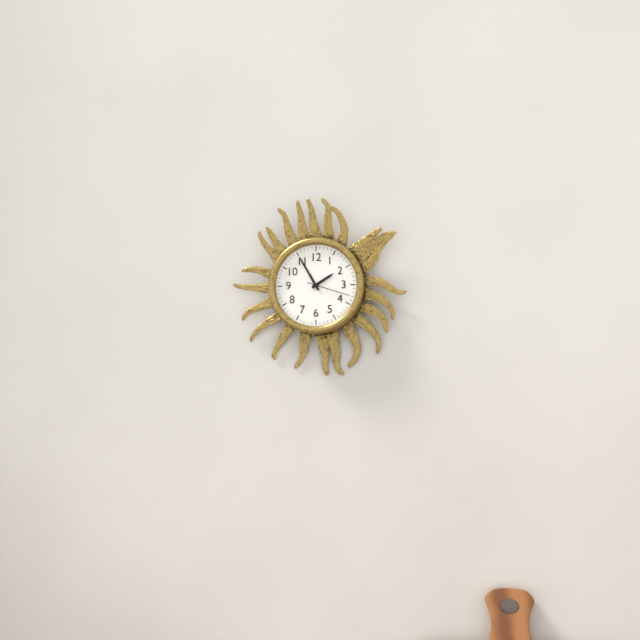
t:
1:55
